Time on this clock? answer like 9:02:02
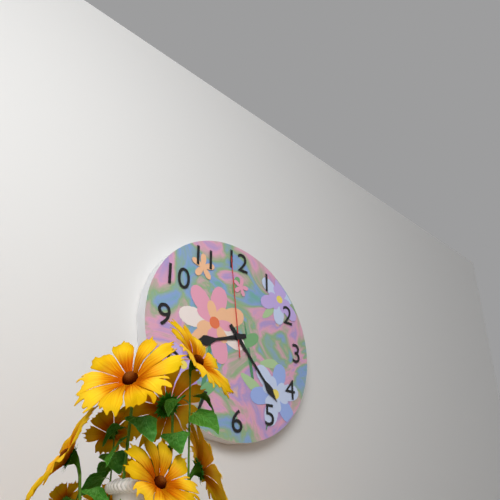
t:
8:23:59
